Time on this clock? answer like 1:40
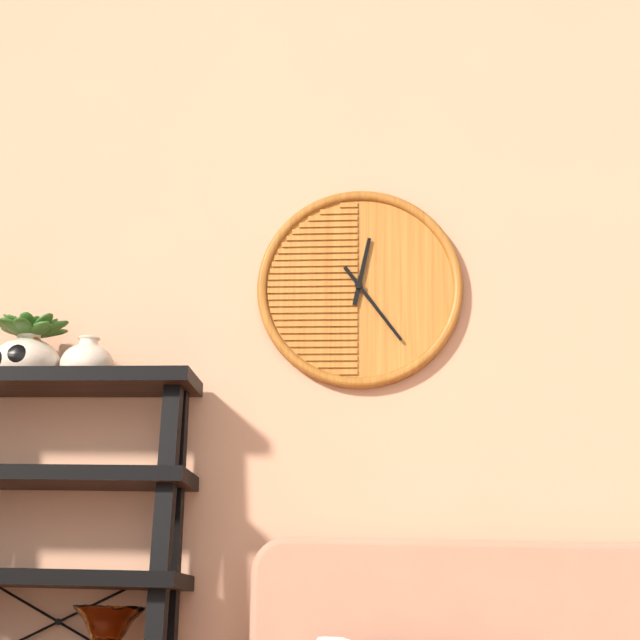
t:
12:24
